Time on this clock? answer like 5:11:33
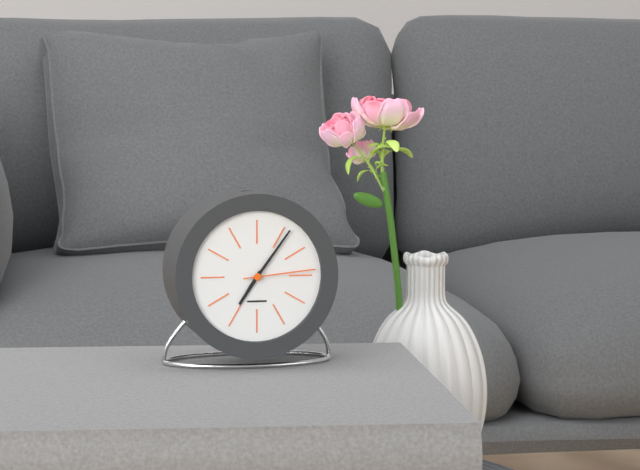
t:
7:06:14
